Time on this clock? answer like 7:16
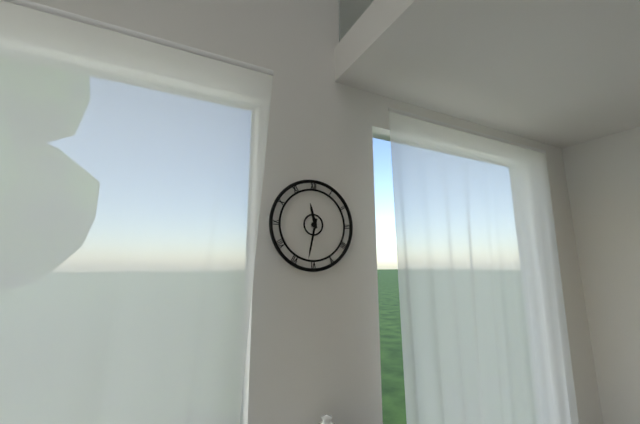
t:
11:32
